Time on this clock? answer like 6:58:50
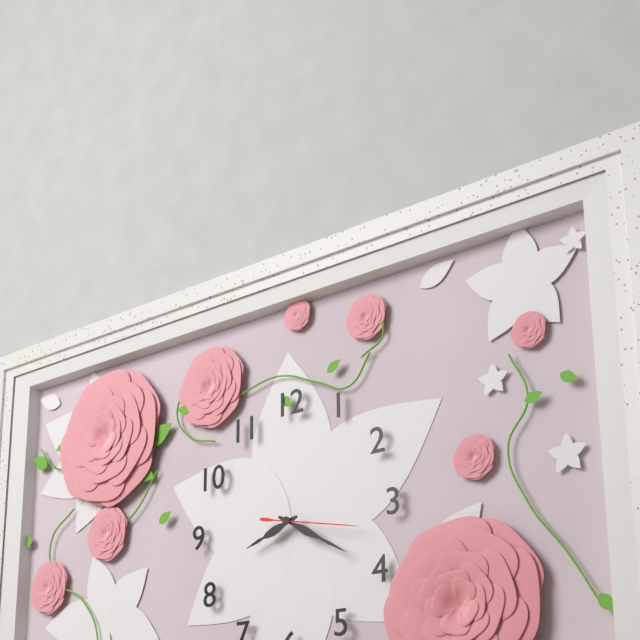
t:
8:20:17
